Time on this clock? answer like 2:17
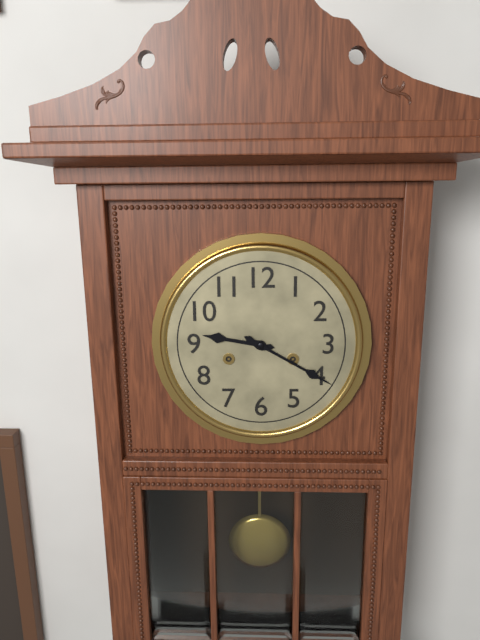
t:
9:20
